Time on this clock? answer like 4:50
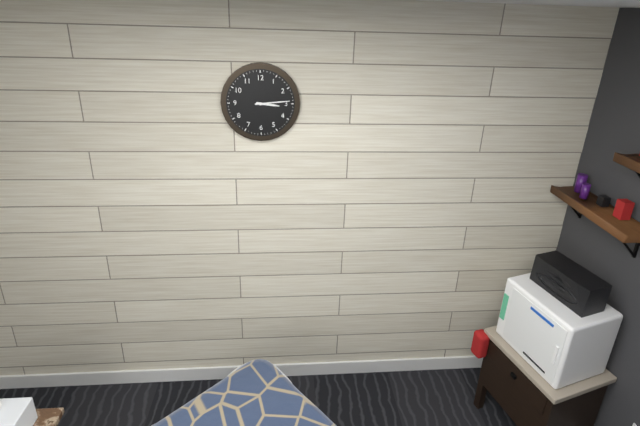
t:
3:14
